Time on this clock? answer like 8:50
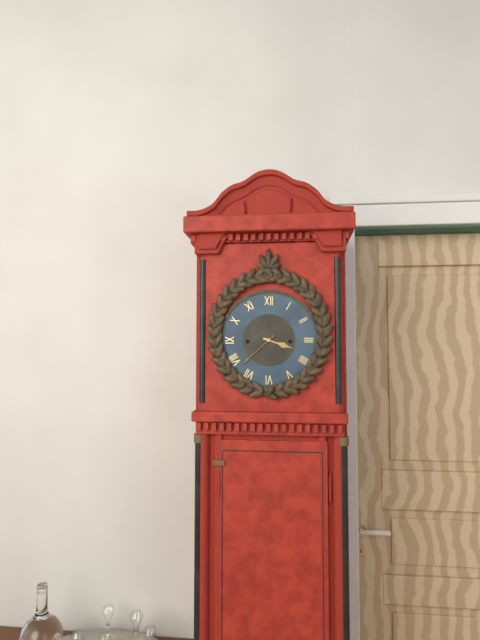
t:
3:38
